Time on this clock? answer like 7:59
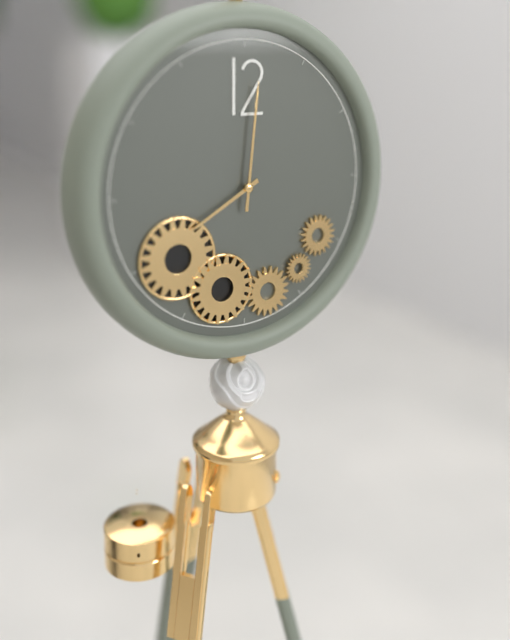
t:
8:01
